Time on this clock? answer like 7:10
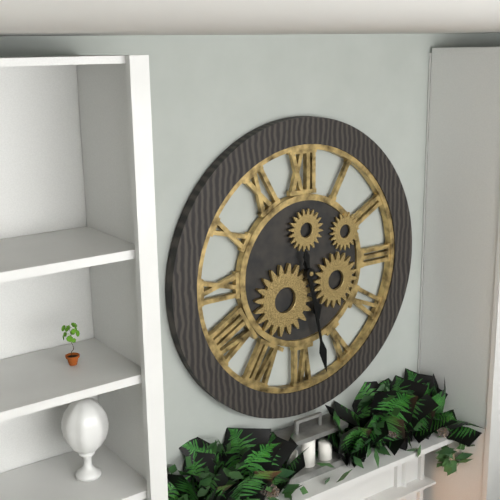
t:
5:28
